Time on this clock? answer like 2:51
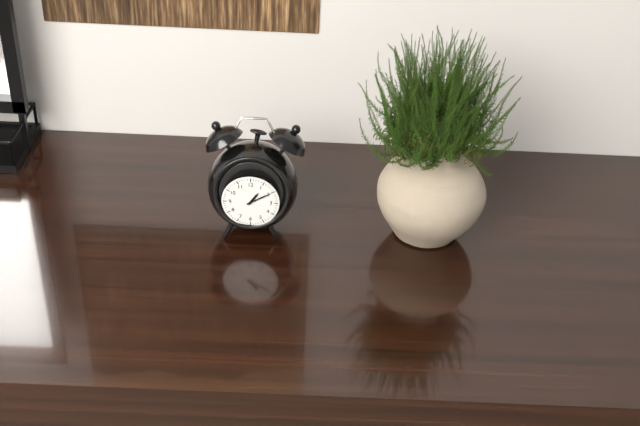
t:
1:10
